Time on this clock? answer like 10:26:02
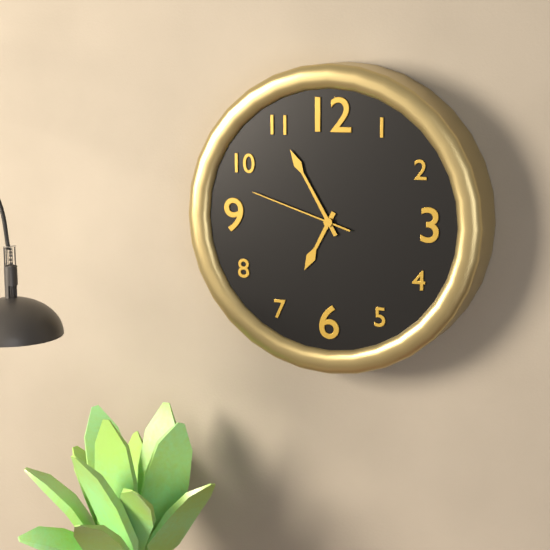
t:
6:55:48
